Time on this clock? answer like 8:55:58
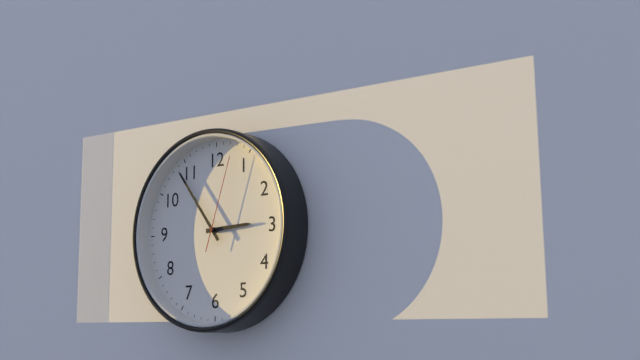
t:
2:54:03
